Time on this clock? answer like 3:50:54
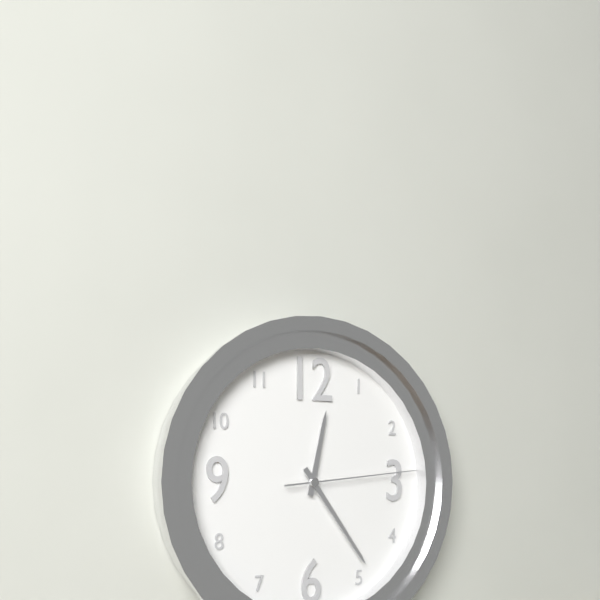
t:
12:24:14
